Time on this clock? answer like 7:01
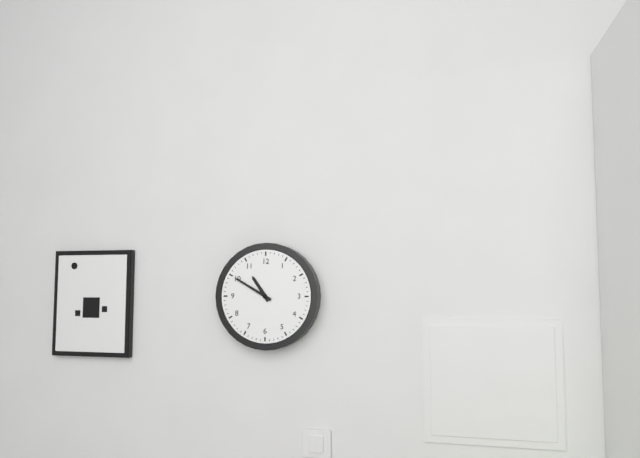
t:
10:50
